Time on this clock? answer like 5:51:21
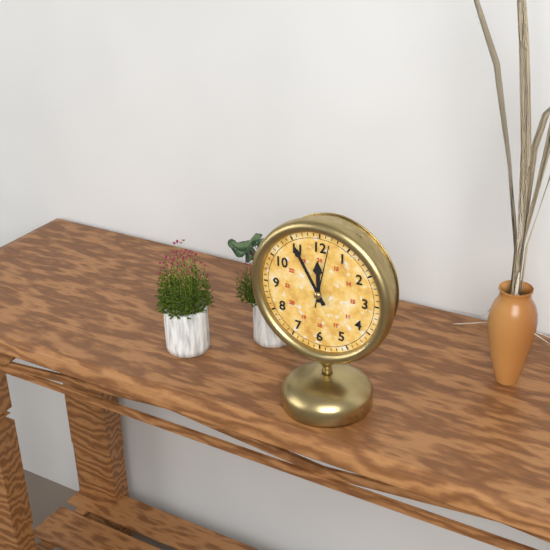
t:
11:55:02
